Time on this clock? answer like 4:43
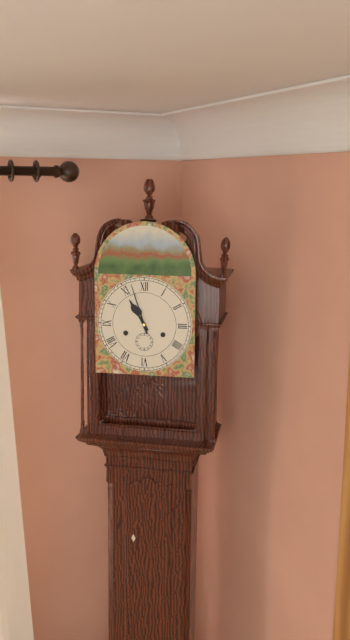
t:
10:57
